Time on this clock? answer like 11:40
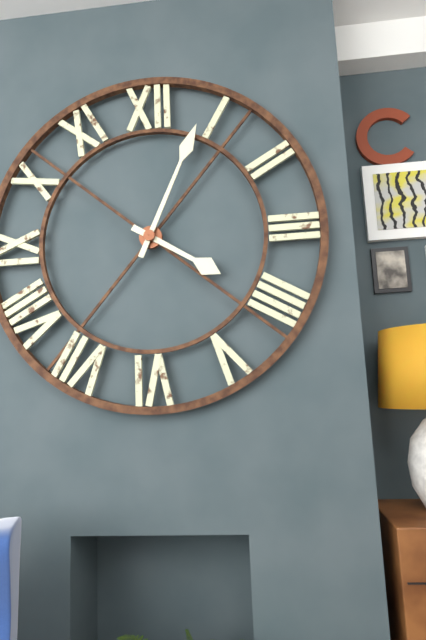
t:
4:04
